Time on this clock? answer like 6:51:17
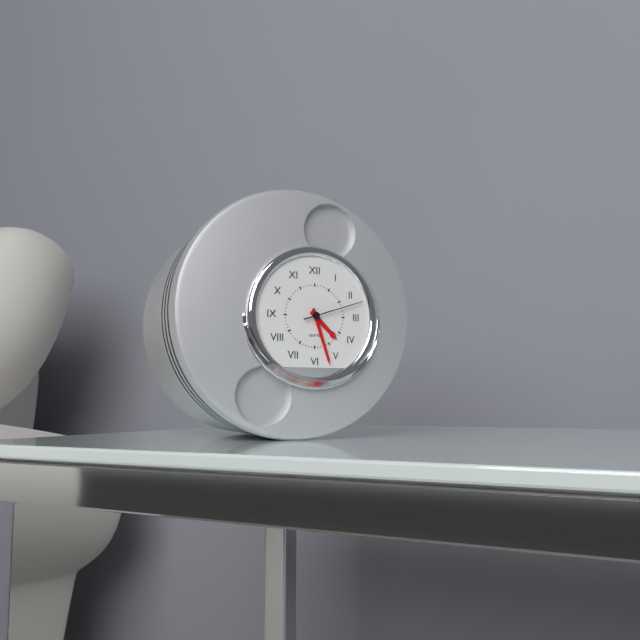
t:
4:27:12
